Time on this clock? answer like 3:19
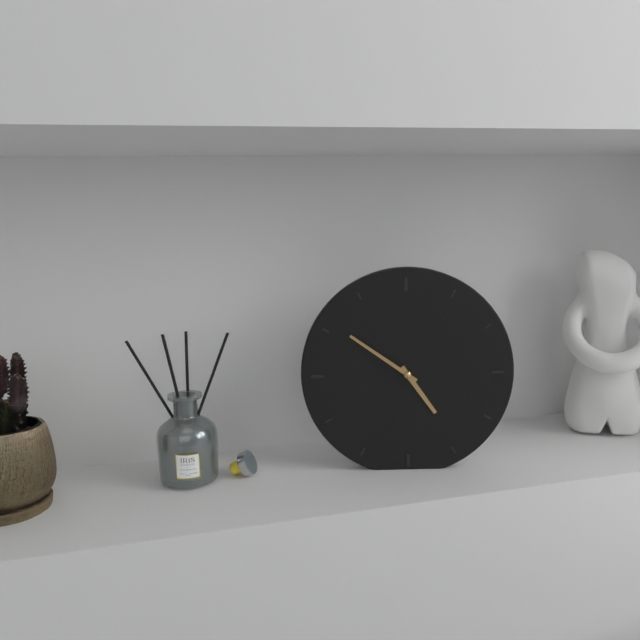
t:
4:51
